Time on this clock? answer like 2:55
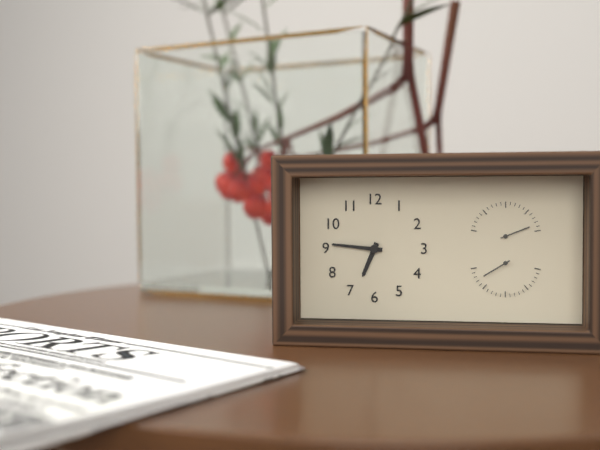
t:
6:46
